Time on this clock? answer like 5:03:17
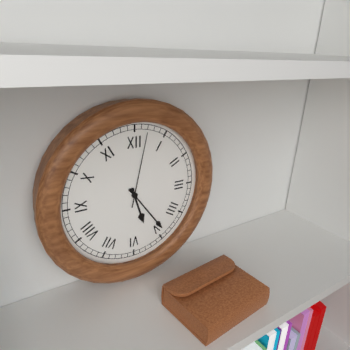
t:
5:24:02
